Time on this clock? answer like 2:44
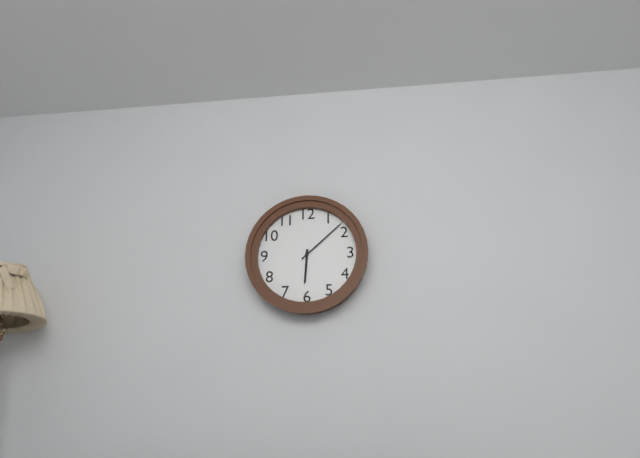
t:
6:08
